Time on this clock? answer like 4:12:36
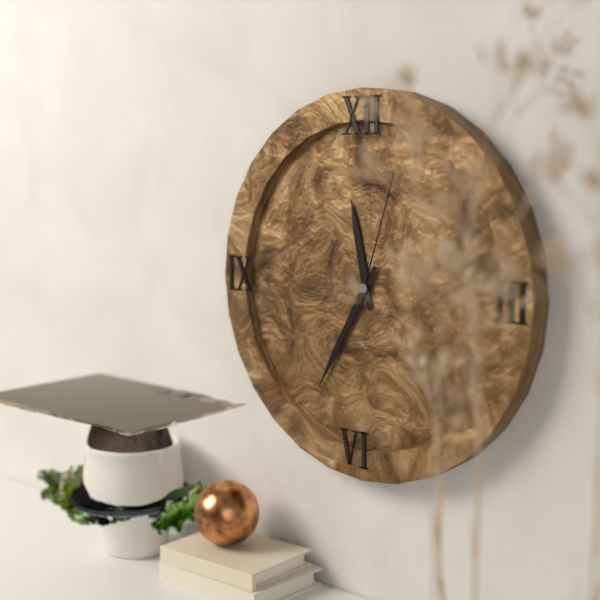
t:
11:35:03
